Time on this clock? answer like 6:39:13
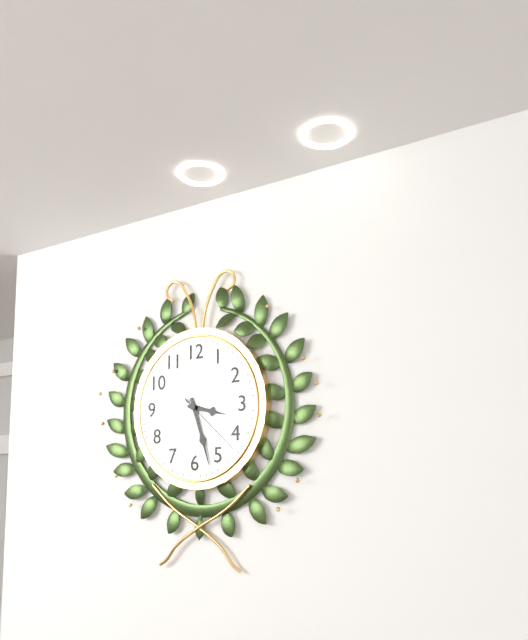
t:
3:27:22
